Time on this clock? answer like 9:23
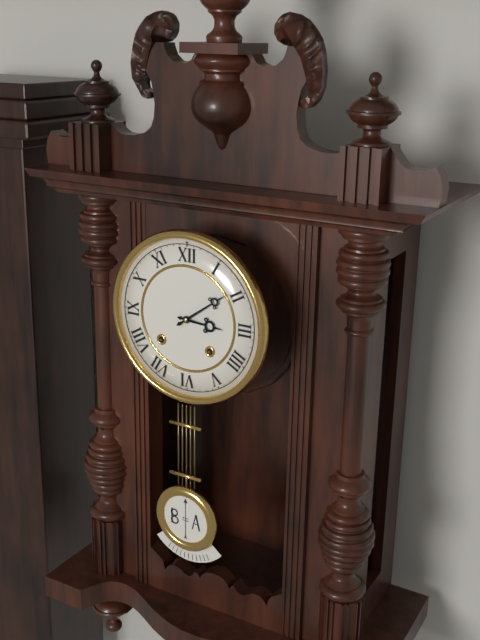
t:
3:09
